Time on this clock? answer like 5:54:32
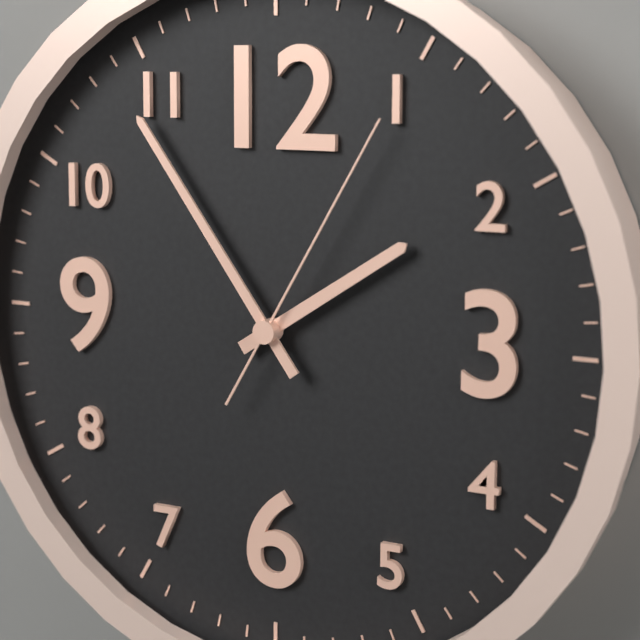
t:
1:54:05
